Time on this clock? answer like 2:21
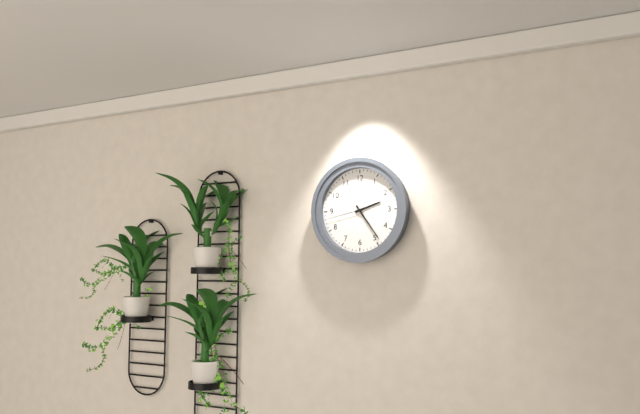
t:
2:24
